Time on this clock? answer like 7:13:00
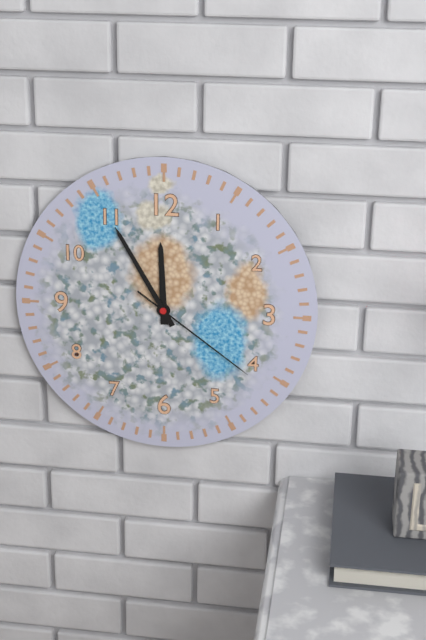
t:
11:55:21
